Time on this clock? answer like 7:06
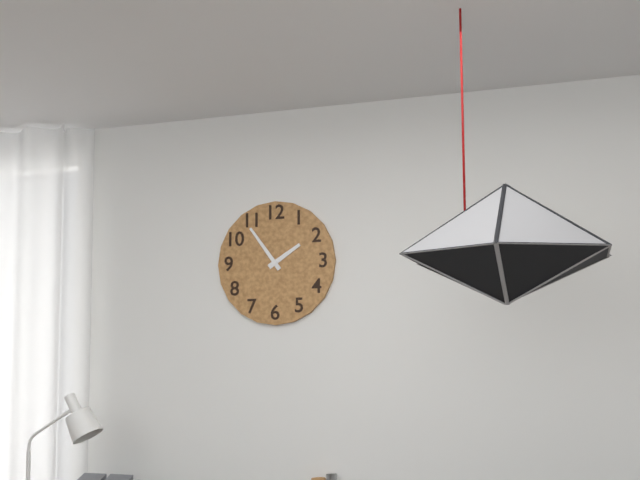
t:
1:54
